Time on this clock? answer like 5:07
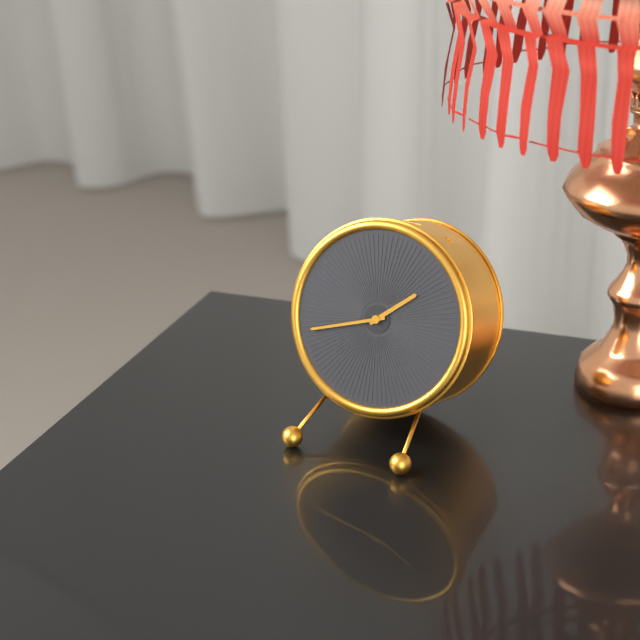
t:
1:42
